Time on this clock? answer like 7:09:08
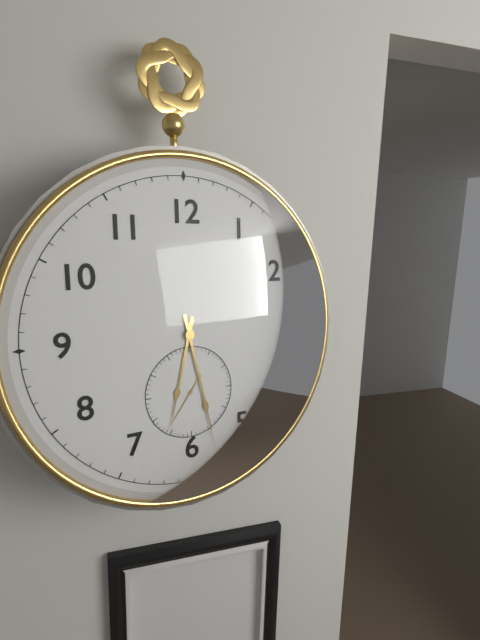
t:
6:28:36
